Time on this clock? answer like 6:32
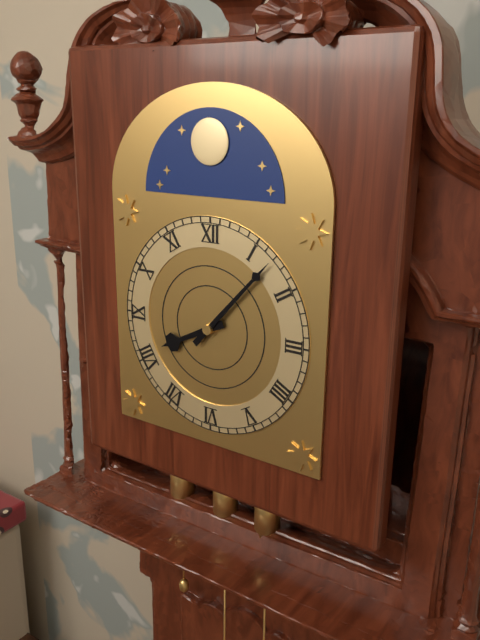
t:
8:07
